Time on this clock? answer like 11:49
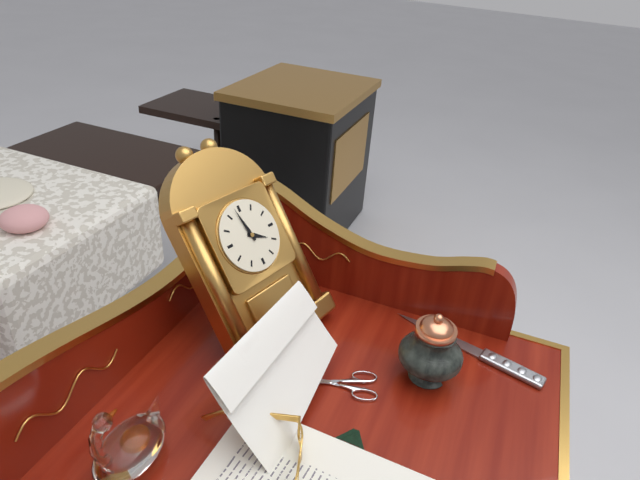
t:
3:58
